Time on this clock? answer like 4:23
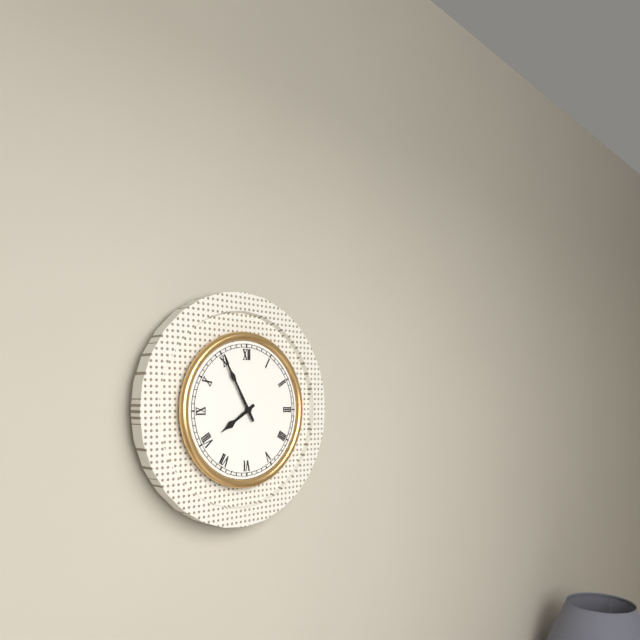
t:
7:55
